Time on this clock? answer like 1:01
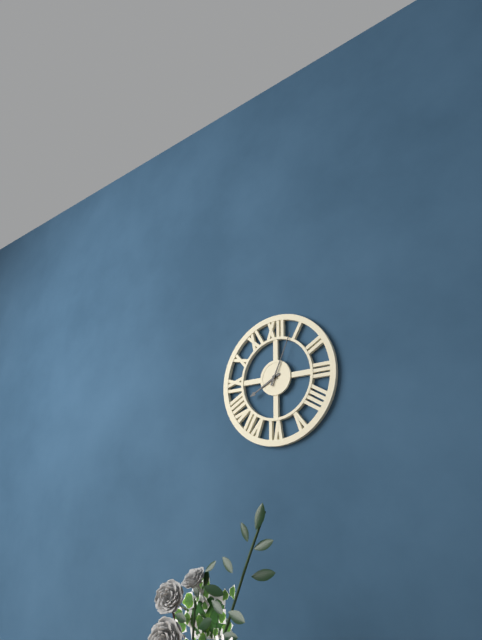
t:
8:04
